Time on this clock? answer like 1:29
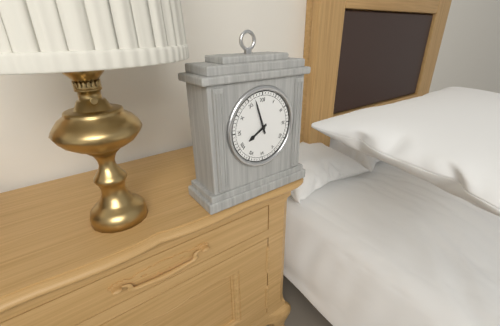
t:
7:57
